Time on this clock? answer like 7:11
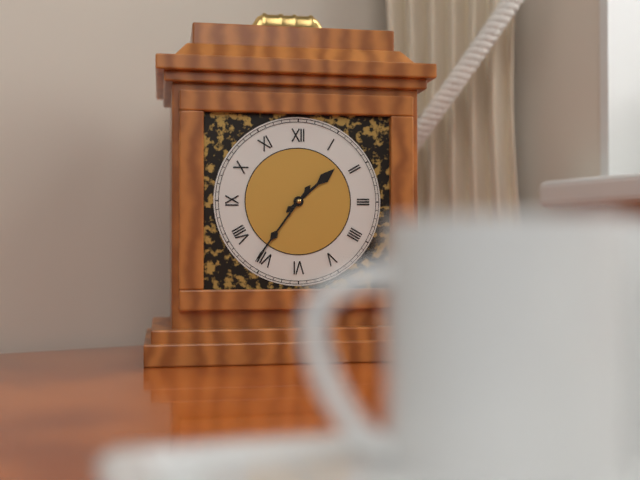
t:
1:36
